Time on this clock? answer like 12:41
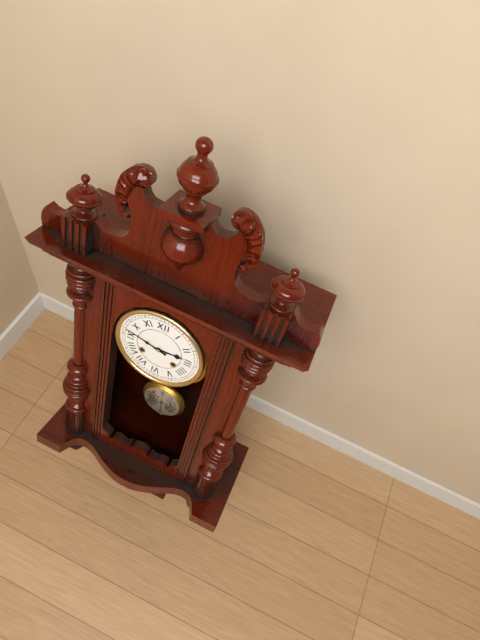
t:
2:47
